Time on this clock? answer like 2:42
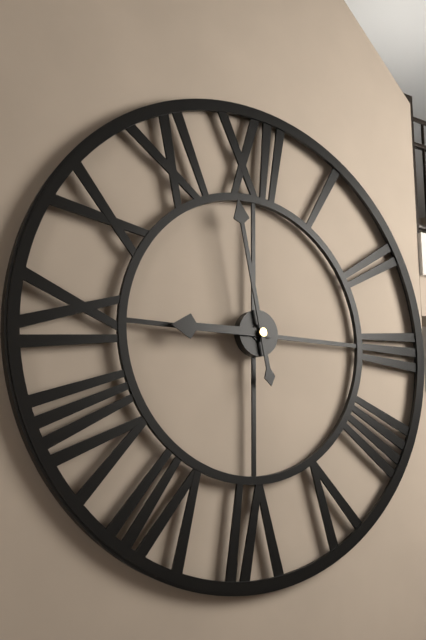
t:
8:58
